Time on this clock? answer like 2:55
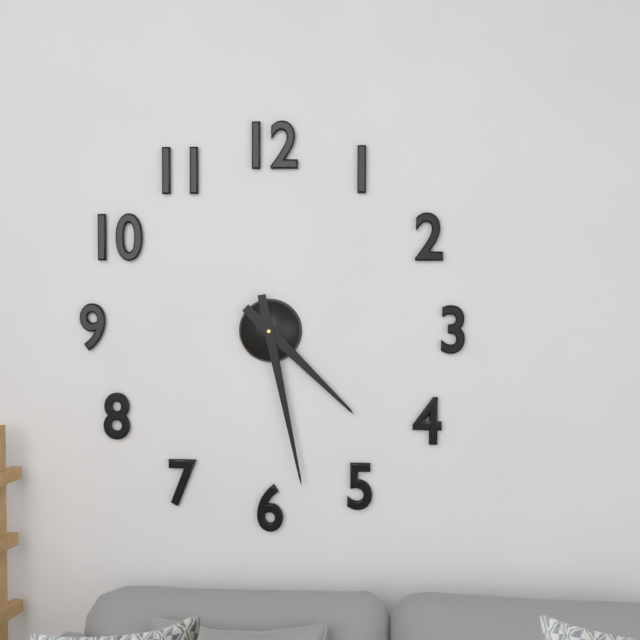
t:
4:28
